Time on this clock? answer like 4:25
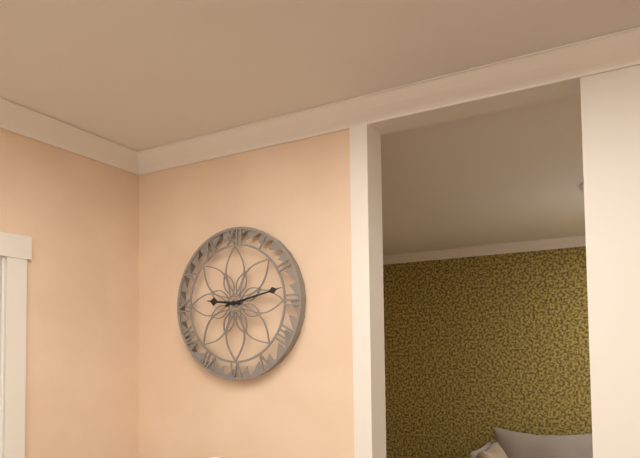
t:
9:13
